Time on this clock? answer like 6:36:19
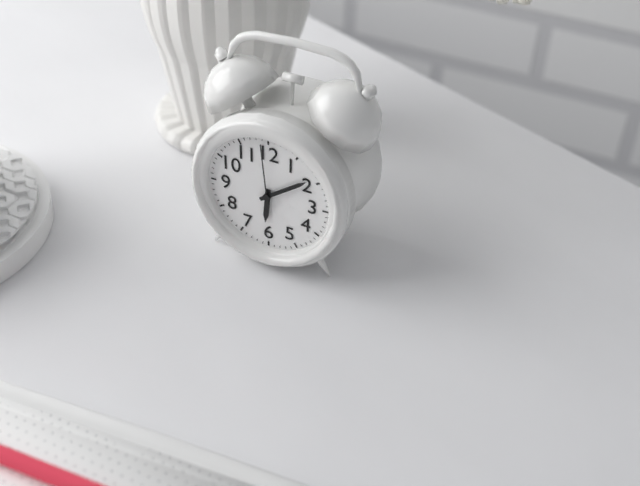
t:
6:09:59
